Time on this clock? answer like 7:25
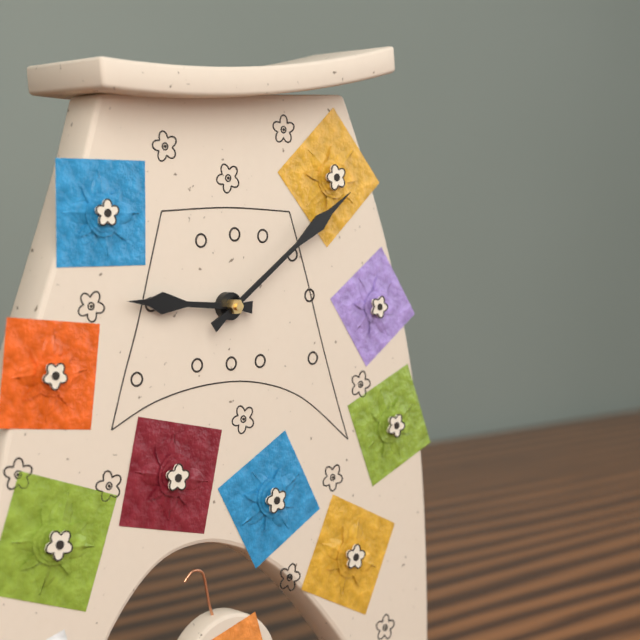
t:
9:09
